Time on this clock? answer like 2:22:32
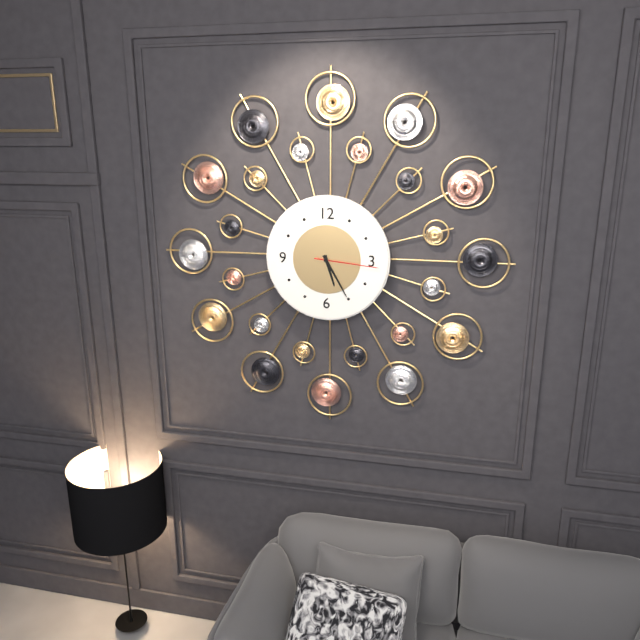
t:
5:25:16
